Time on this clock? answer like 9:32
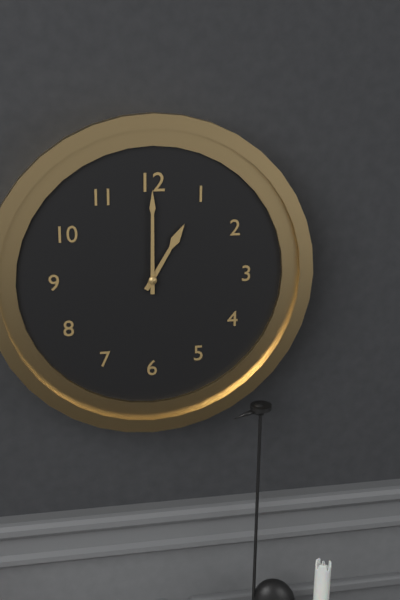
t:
1:00
